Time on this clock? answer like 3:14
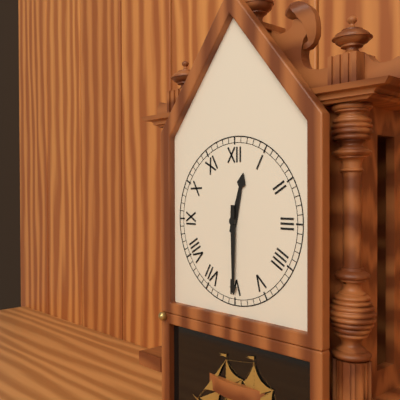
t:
12:30
